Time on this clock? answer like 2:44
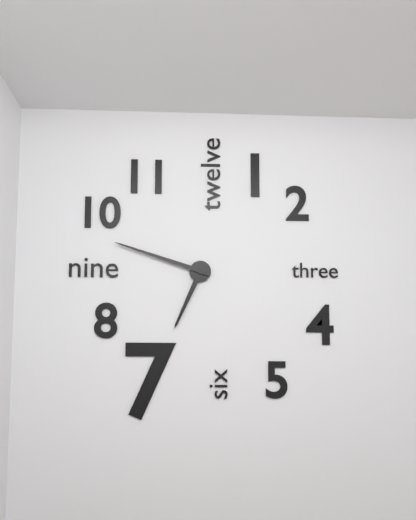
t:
6:48
